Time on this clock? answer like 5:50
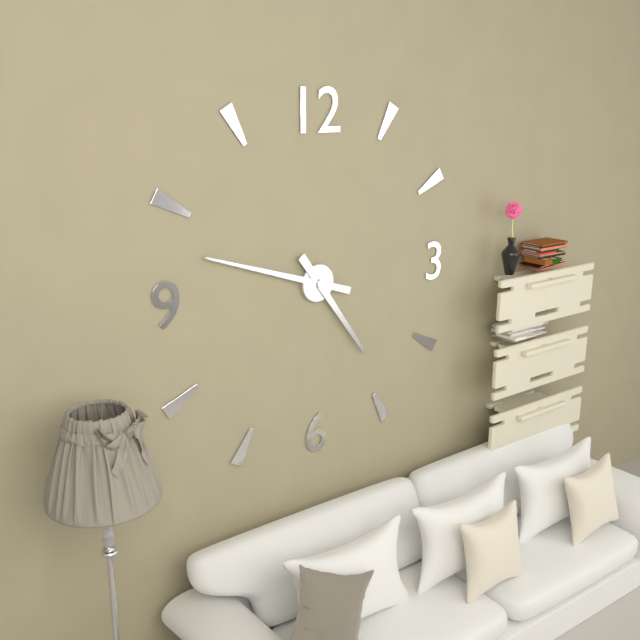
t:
4:48
